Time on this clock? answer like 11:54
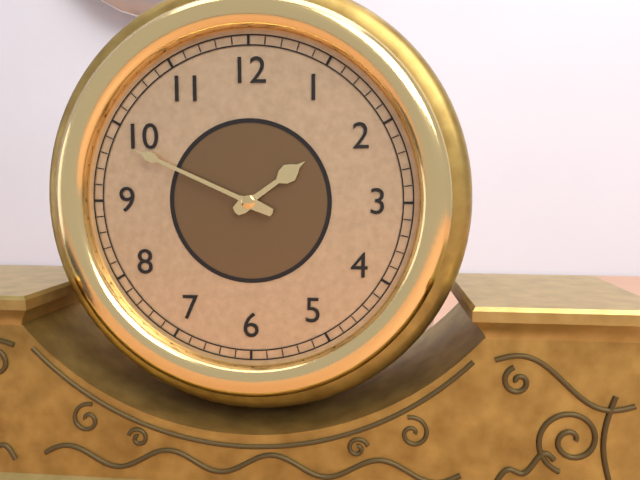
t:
1:49
